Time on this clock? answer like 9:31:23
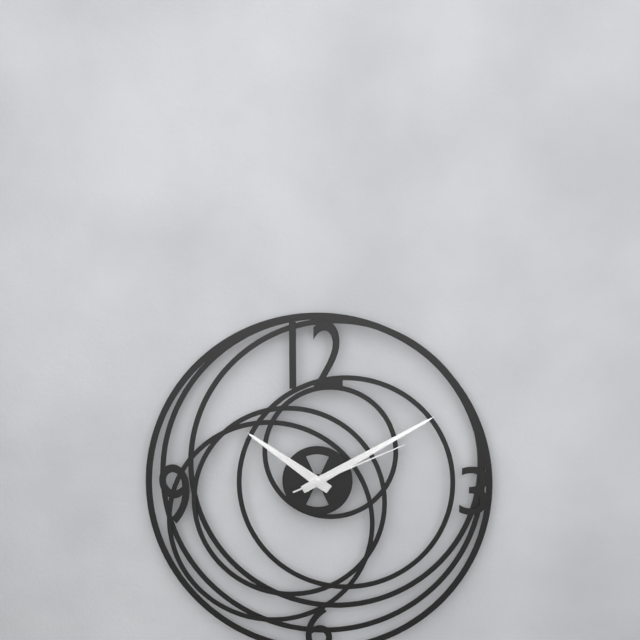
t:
10:10:11
